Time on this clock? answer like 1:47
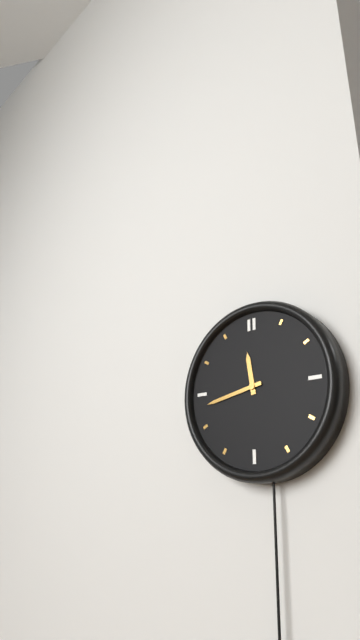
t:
11:43
